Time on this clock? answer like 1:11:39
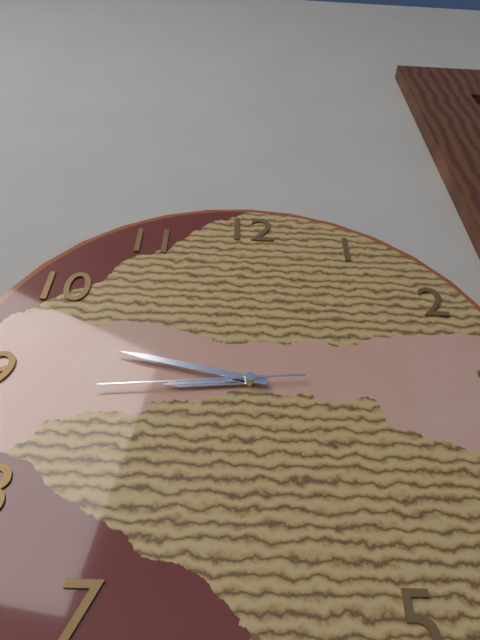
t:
8:47:44
